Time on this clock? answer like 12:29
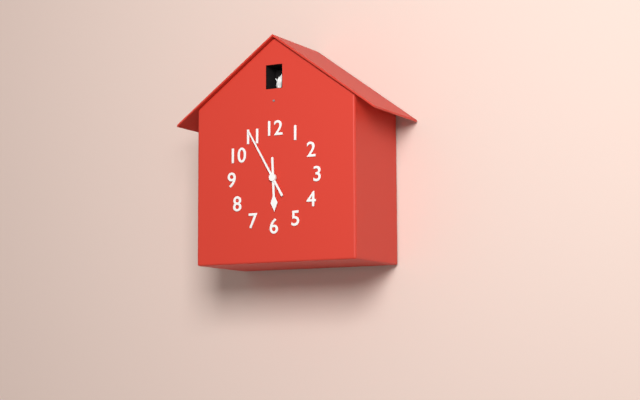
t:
5:55
